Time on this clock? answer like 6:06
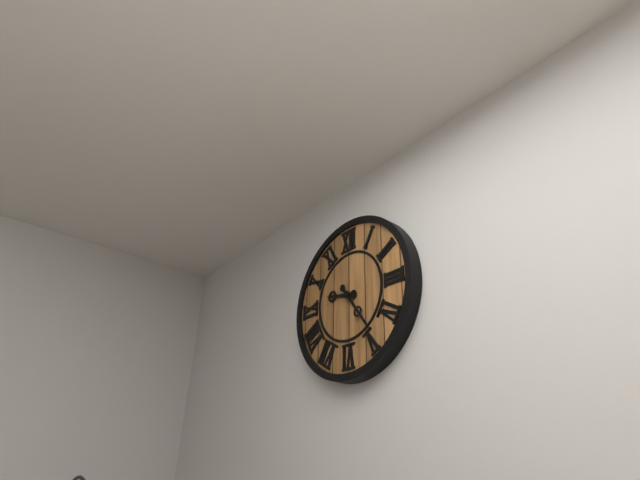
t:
9:24
